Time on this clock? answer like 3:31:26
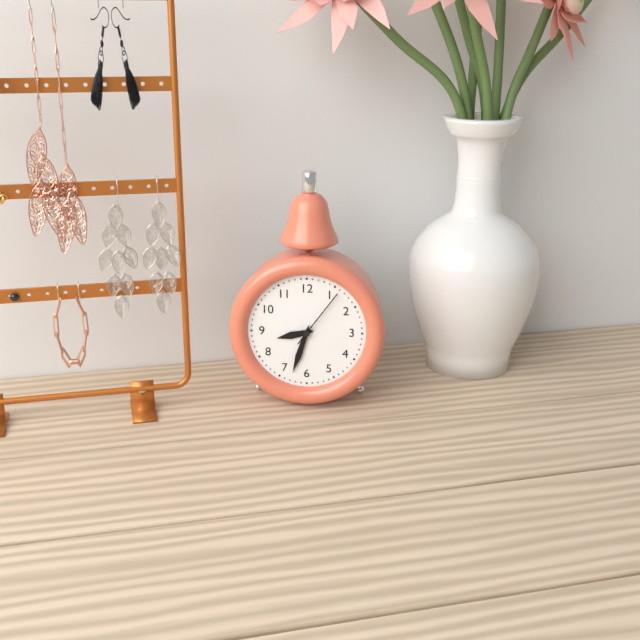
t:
8:33:06
